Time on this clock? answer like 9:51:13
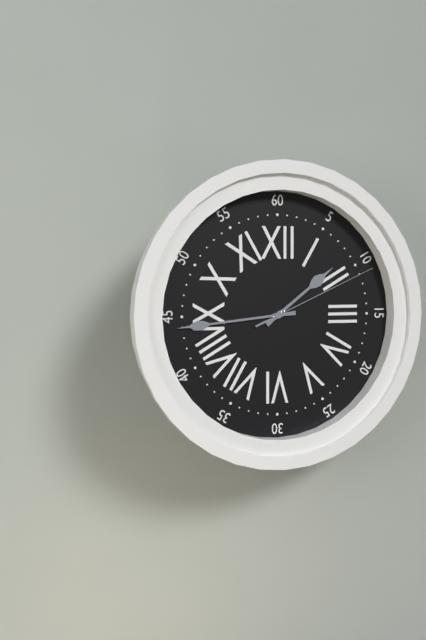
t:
1:44:11
